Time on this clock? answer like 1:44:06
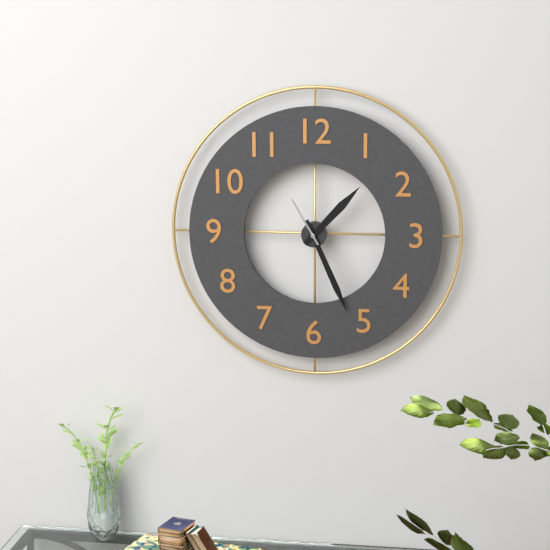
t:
1:26:55
